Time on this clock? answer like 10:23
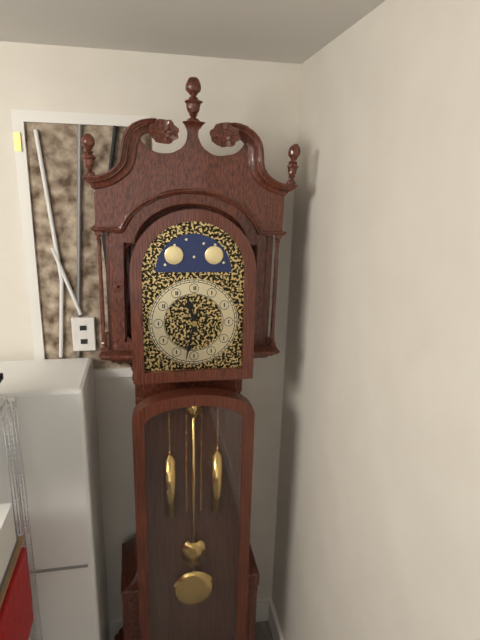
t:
11:32
